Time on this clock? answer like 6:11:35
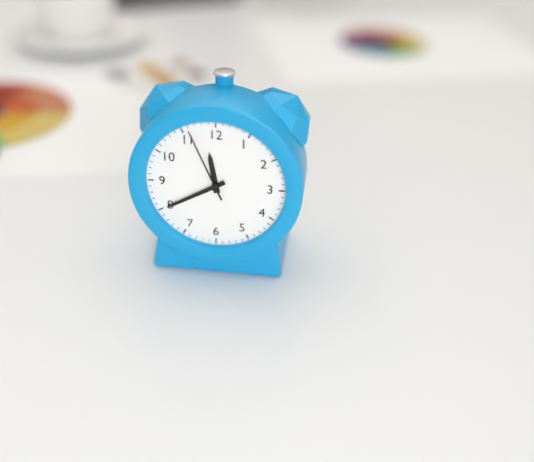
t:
11:40:56
